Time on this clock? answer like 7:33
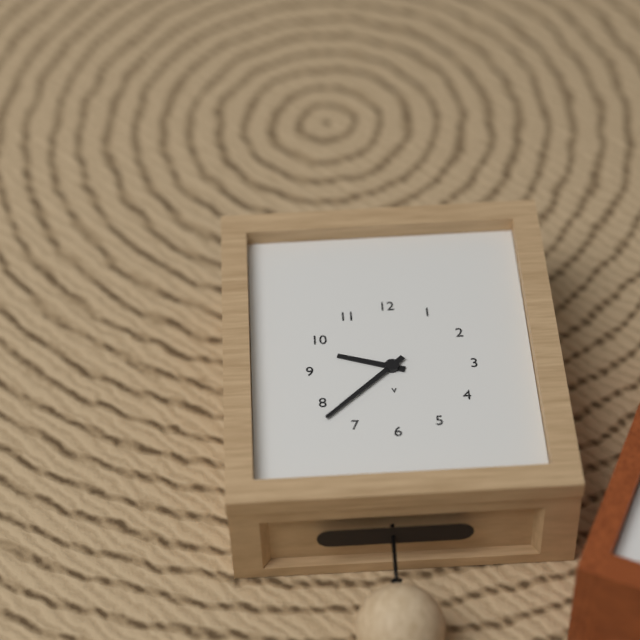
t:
9:38
